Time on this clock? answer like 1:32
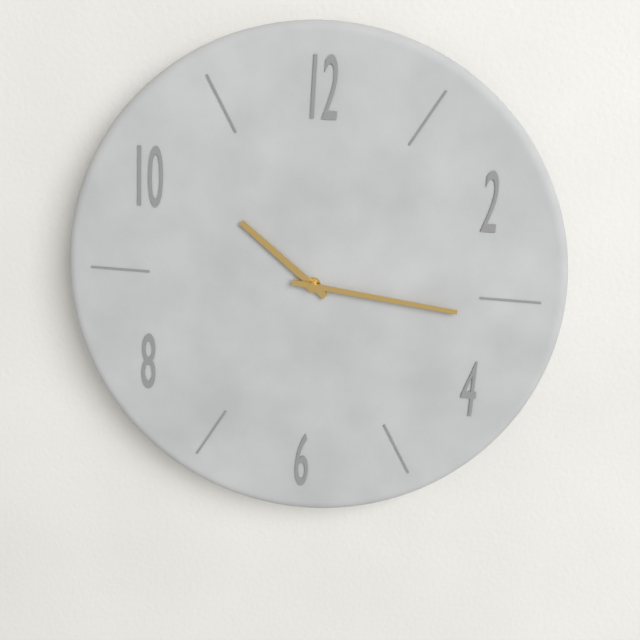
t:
10:16
